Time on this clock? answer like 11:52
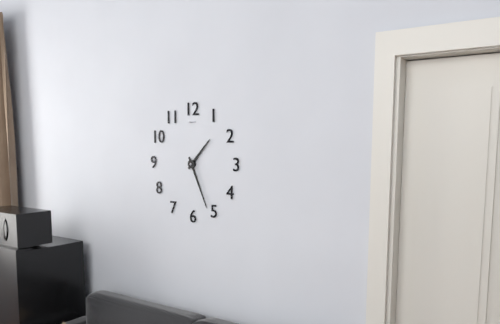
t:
1:26
